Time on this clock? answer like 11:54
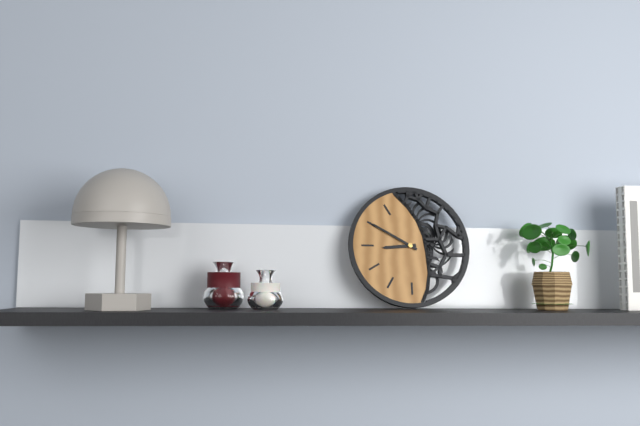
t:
8:50
